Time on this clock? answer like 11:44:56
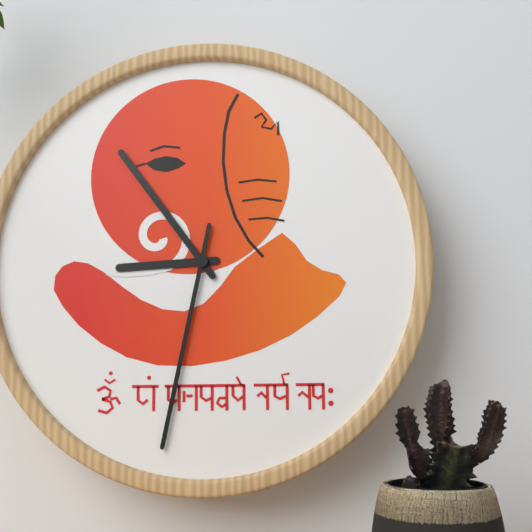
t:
8:54:32
